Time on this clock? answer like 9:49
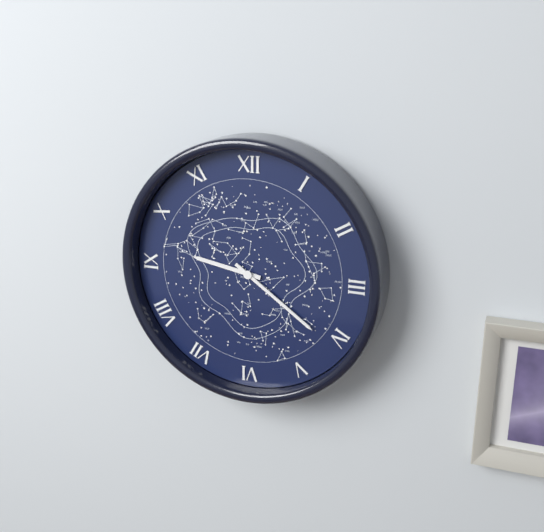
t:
9:21
